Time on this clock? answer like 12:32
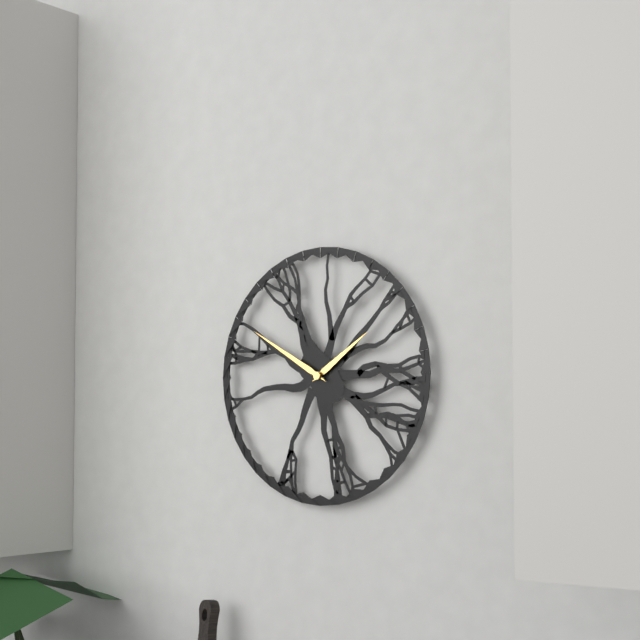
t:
1:50
